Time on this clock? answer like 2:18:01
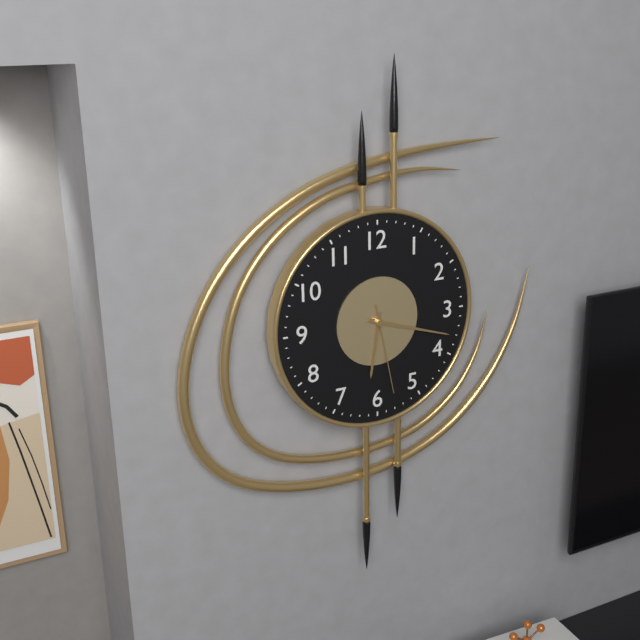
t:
6:18:28
